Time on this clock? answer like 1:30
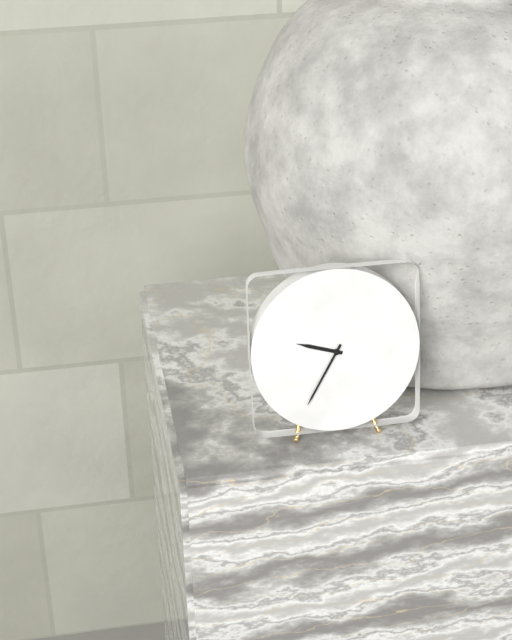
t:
9:35
